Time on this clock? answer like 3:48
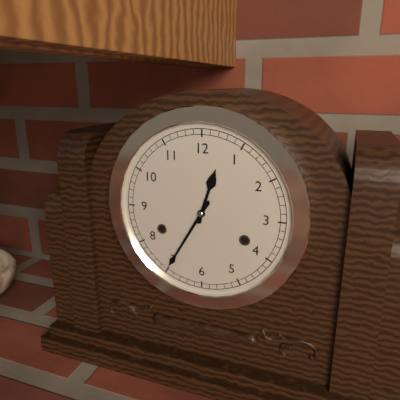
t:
12:35
